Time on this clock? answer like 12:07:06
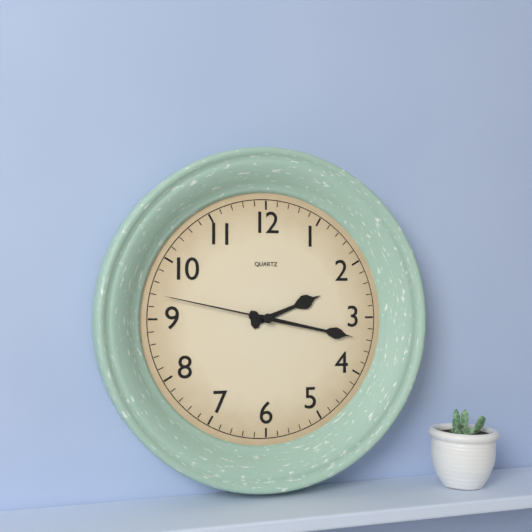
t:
2:17:47
